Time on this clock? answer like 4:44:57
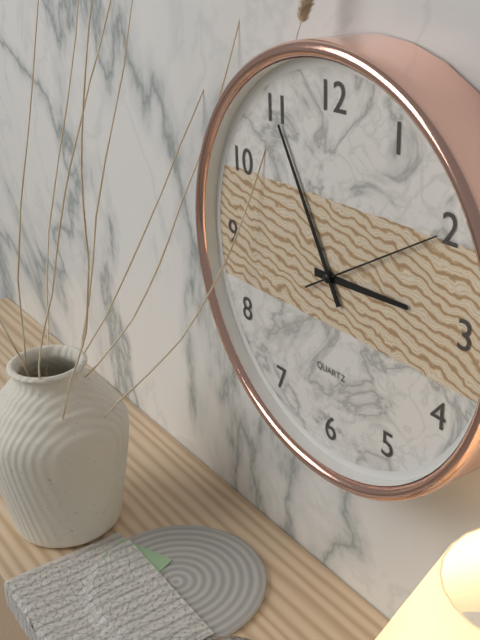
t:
2:55:10
